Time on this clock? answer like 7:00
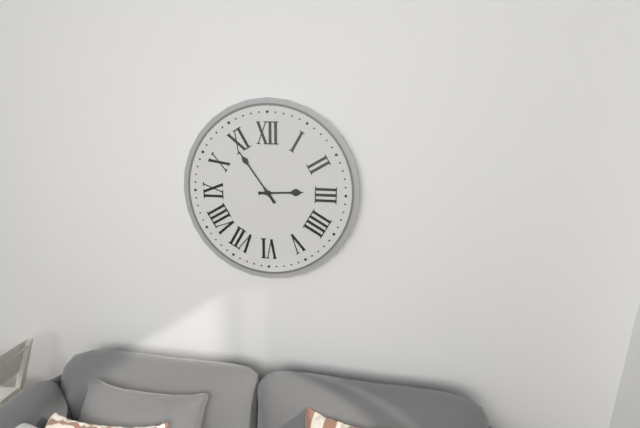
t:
2:54
